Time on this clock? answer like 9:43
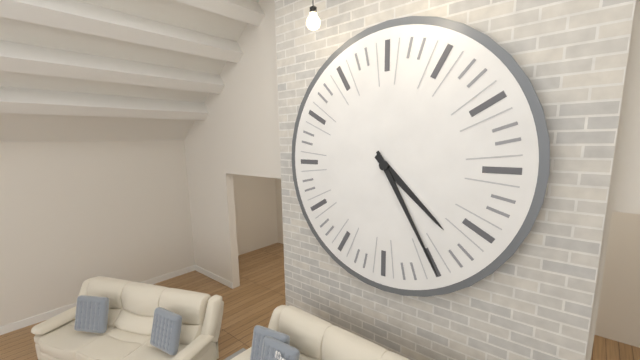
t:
4:25
